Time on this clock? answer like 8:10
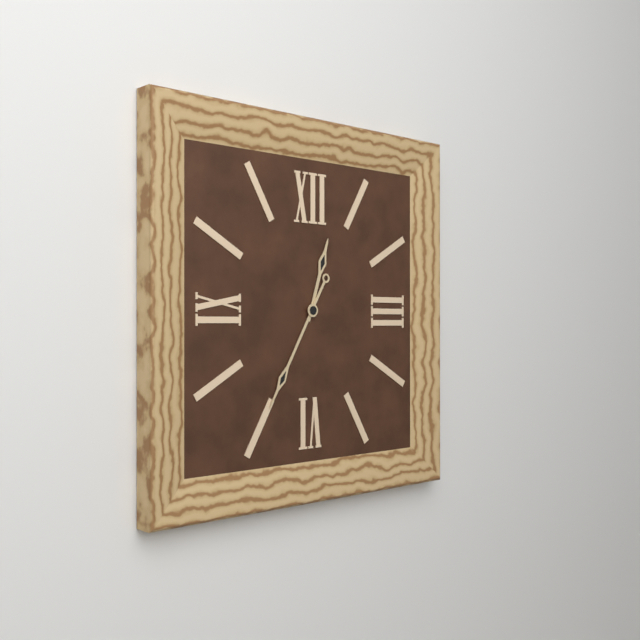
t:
12:35
